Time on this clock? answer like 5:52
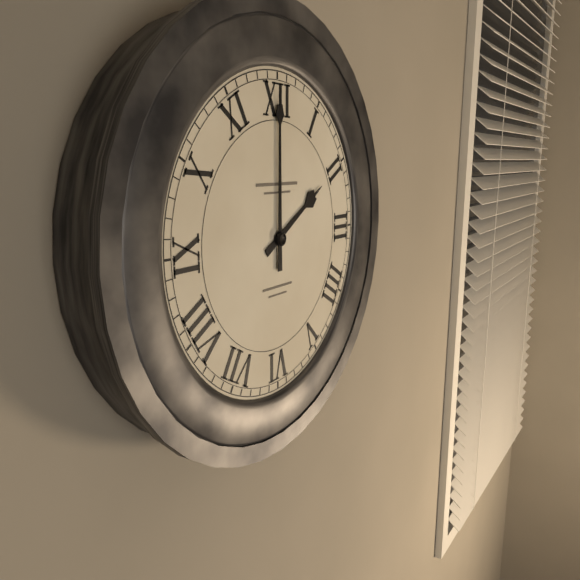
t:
2:00
